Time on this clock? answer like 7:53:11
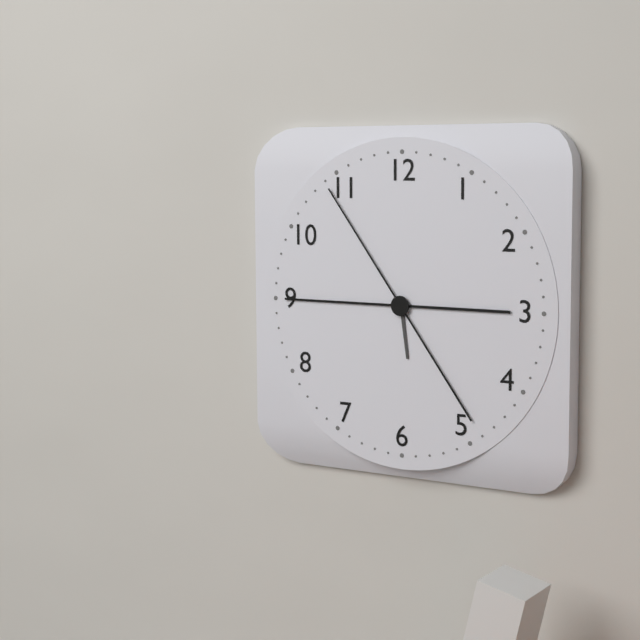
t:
5:45:54
